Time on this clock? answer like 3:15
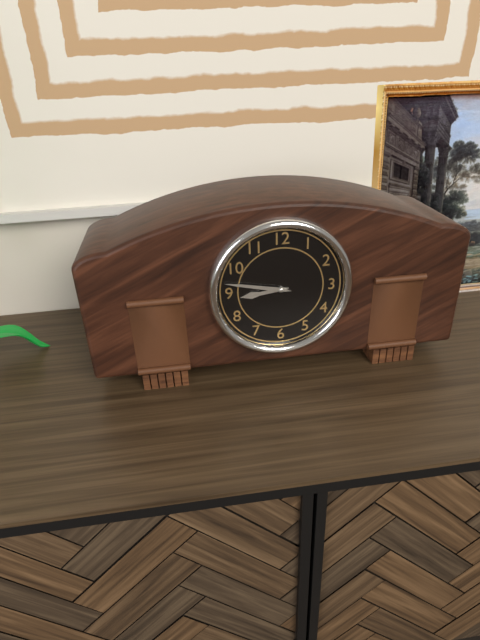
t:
8:47
